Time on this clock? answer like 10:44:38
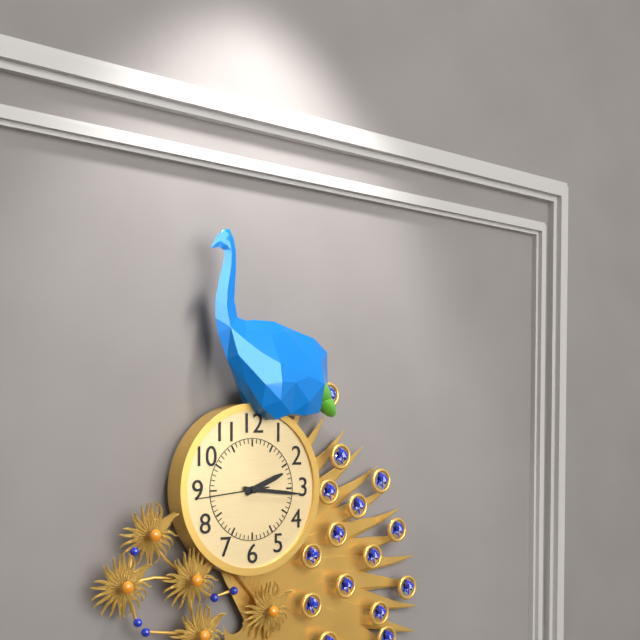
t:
2:16:44
